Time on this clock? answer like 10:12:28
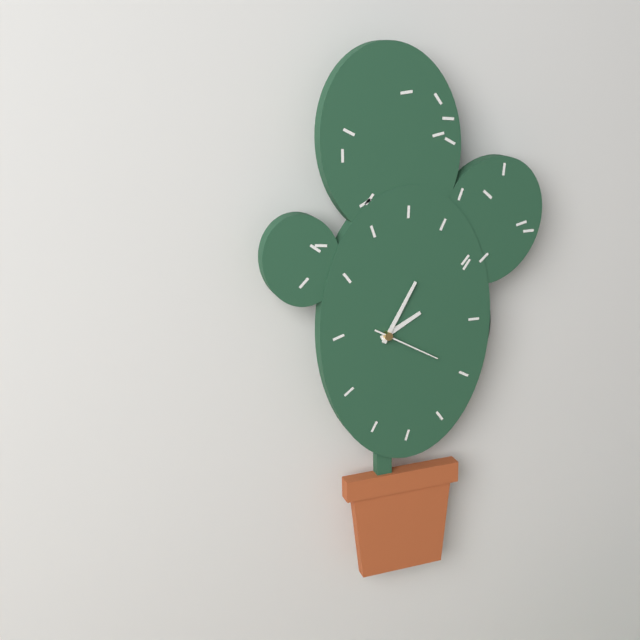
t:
2:05:20
